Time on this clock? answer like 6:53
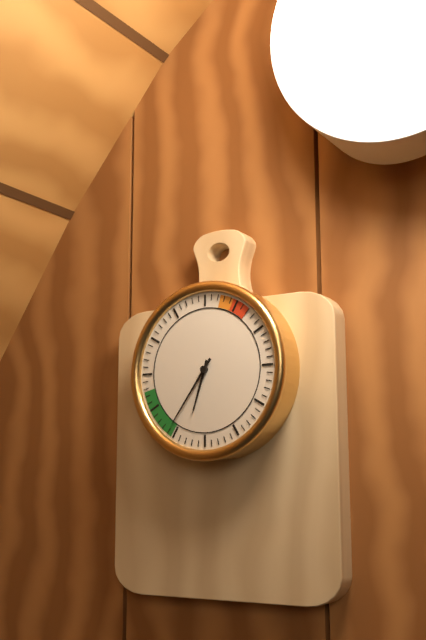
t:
6:36
